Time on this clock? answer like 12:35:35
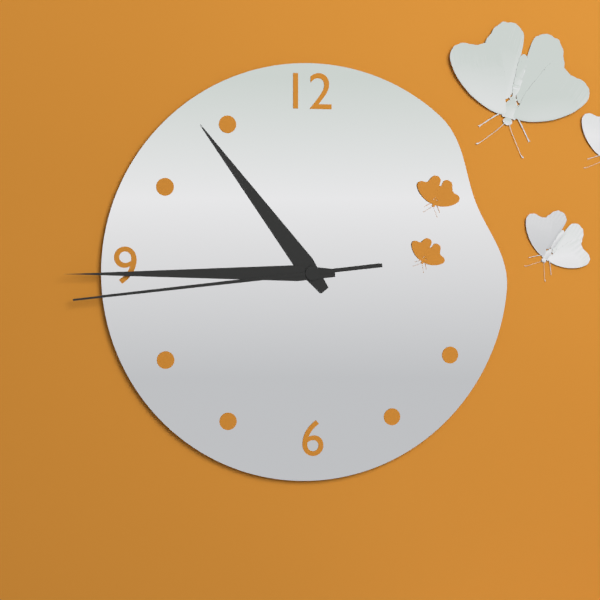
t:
10:45:44
